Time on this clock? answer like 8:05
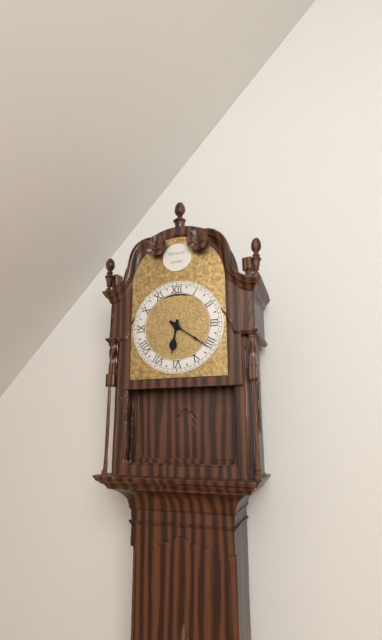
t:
6:21
